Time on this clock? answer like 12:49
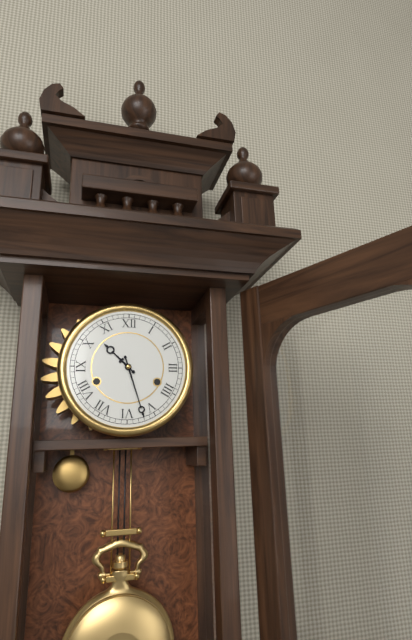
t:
10:27
